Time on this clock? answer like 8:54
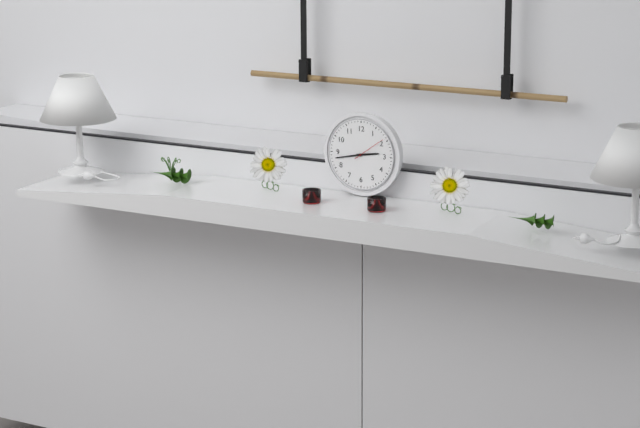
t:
2:43
